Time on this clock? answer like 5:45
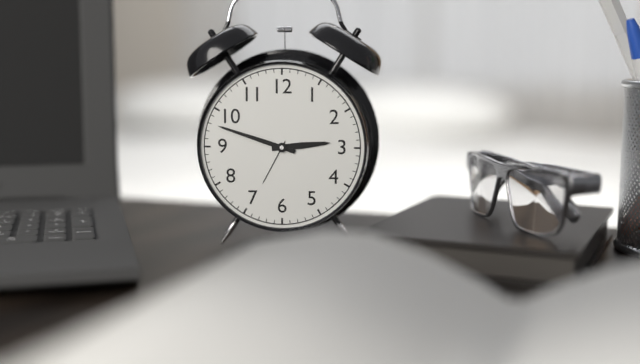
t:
2:48
